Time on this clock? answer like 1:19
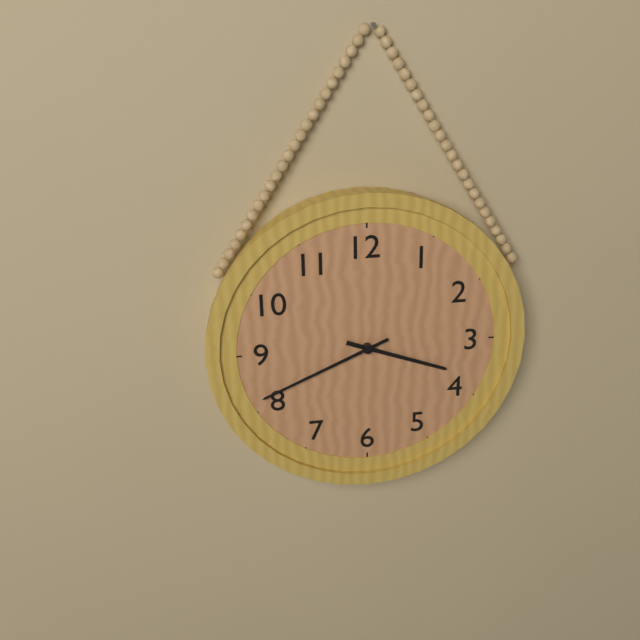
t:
3:41
